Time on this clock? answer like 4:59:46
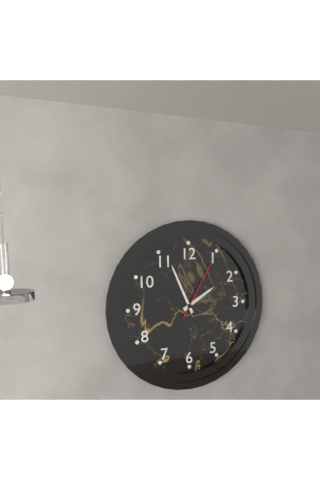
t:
1:56:05
